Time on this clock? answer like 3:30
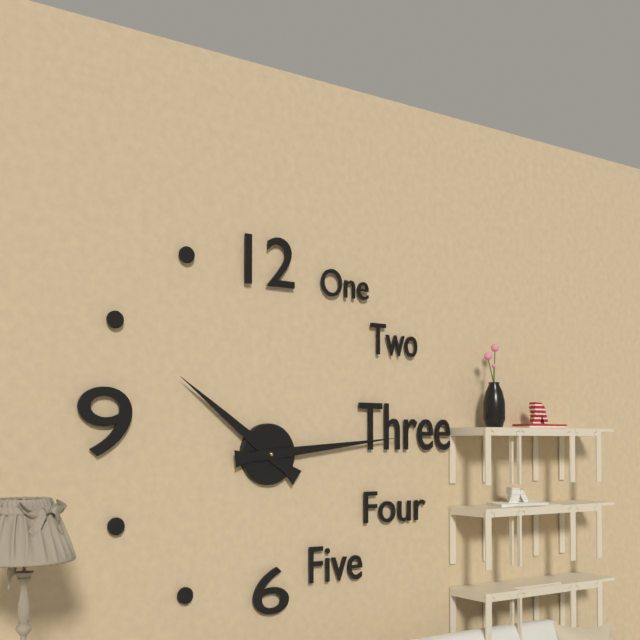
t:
10:14
